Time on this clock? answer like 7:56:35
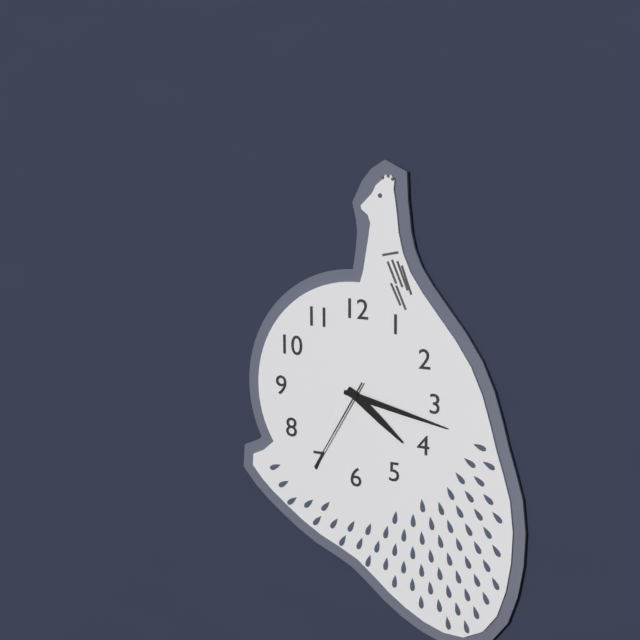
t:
4:17:35
